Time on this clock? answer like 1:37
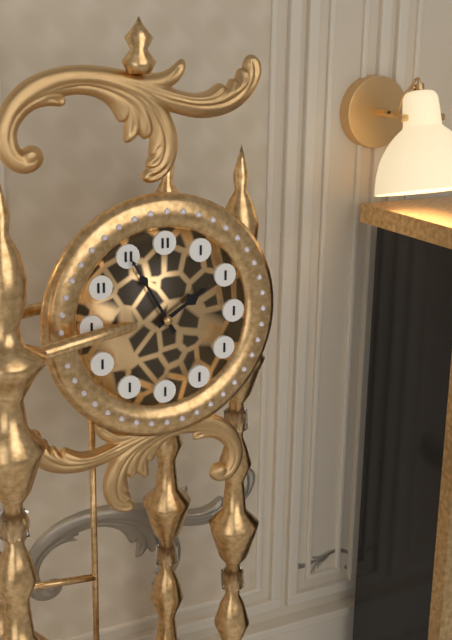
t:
1:55
